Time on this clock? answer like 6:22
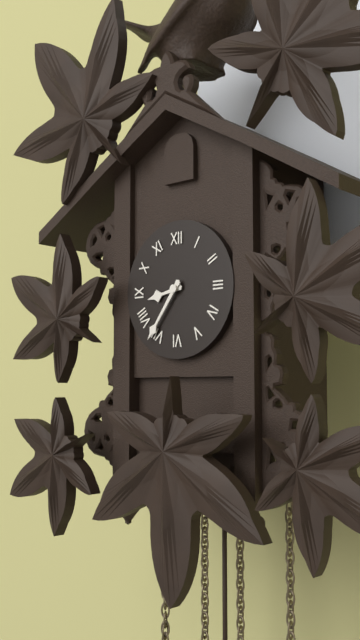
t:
8:36
